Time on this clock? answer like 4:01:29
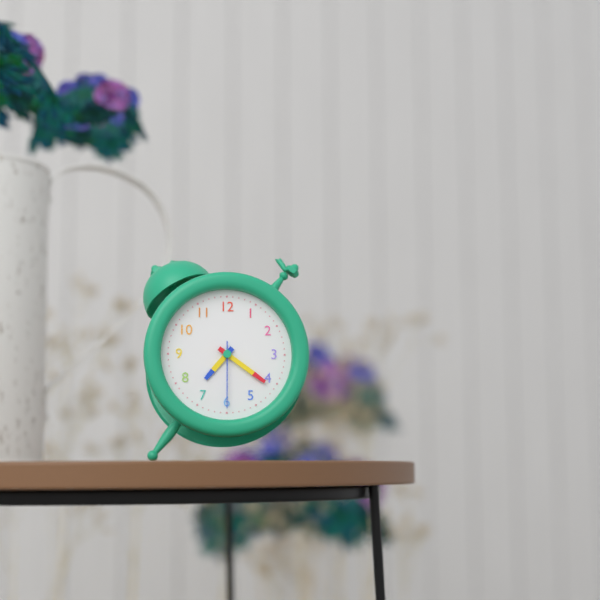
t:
7:21:30
